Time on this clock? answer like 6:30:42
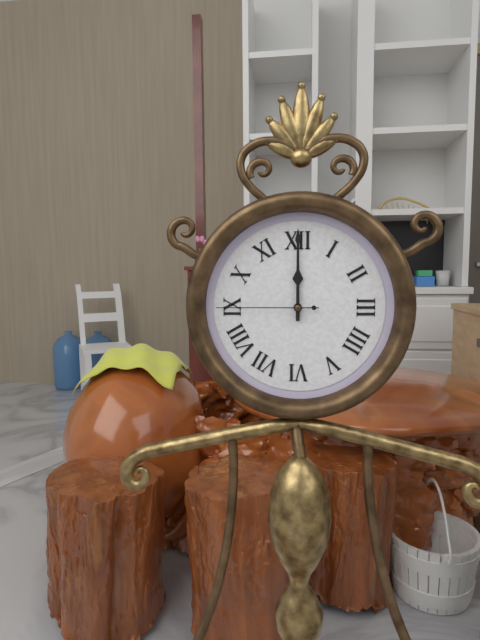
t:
12:00:45
